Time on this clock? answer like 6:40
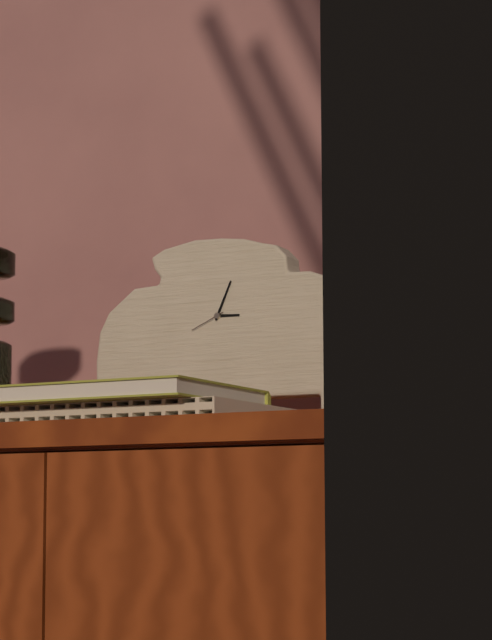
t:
3:04
